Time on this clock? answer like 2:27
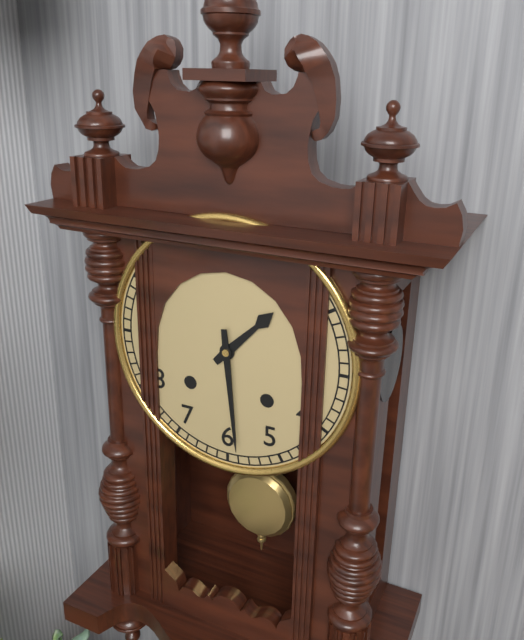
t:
1:29
